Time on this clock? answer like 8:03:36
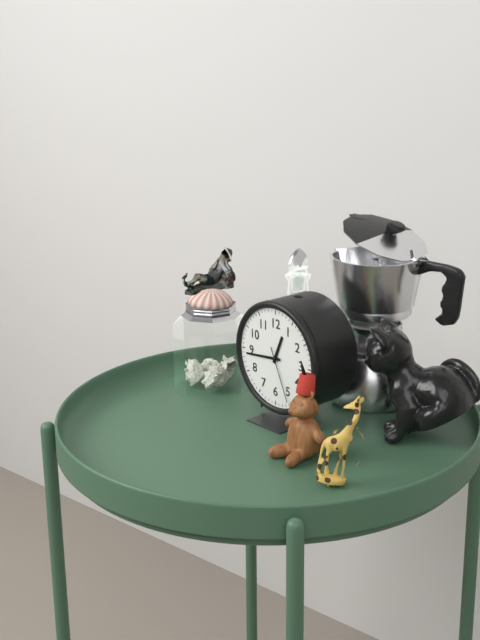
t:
12:44:26
